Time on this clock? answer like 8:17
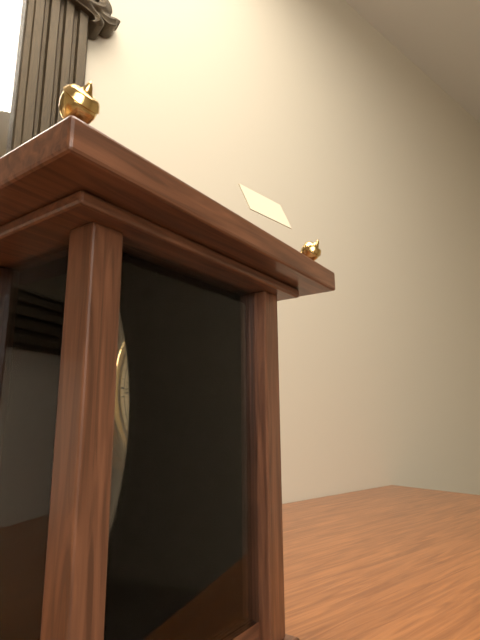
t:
3:29
